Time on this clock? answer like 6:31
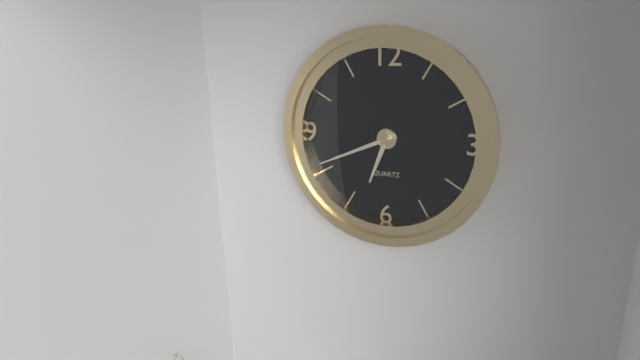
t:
6:41
